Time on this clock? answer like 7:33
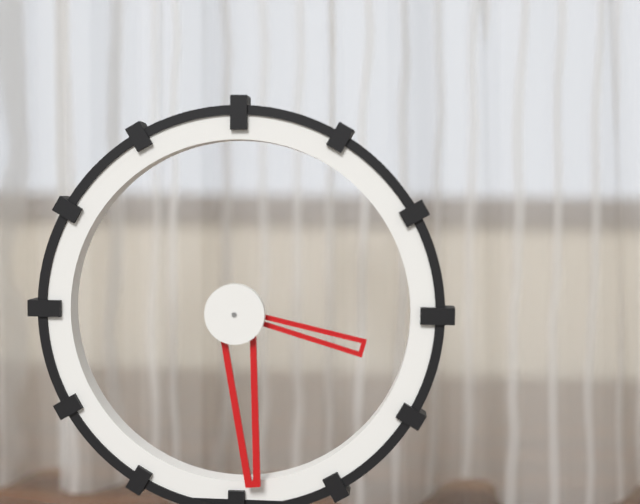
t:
3:29
